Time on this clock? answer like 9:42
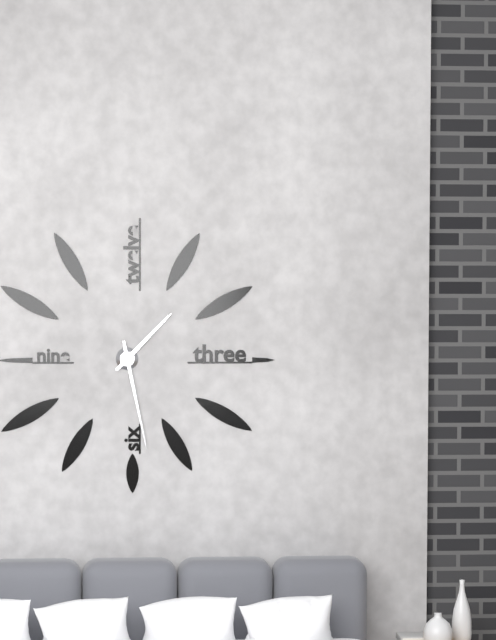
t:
1:28
